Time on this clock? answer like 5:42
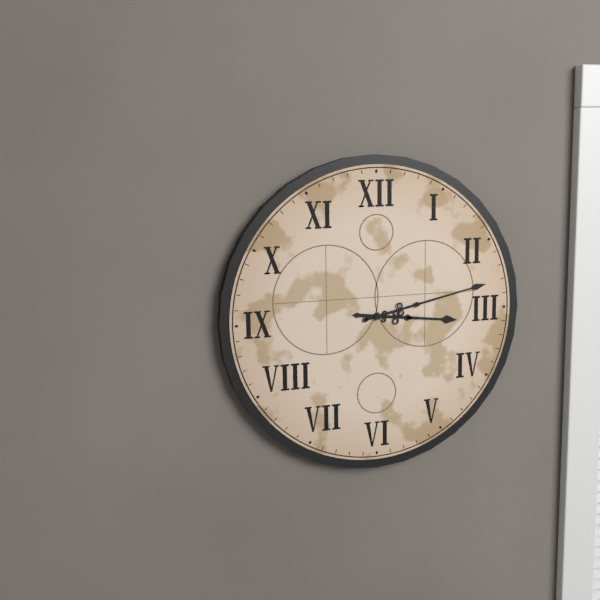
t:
3:13
